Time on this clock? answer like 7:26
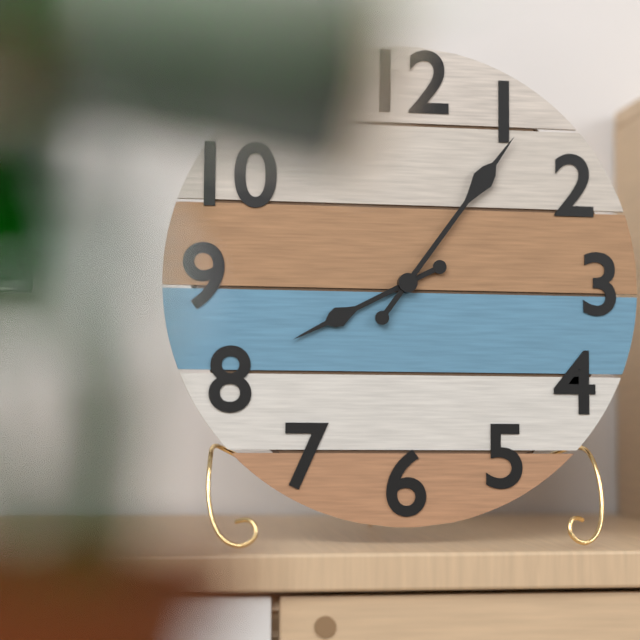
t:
8:06
